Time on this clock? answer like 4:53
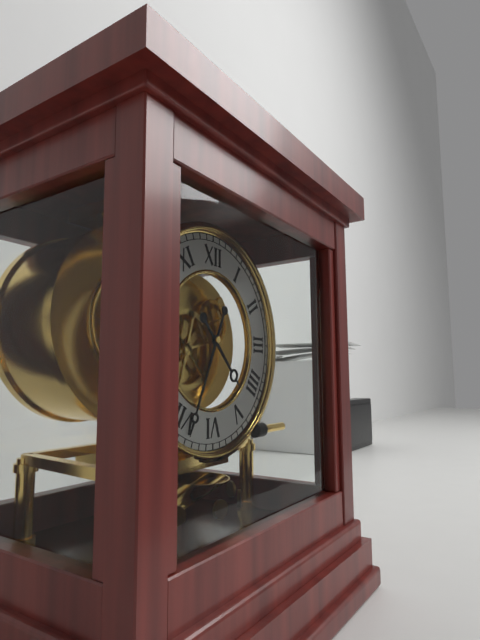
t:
4:34
